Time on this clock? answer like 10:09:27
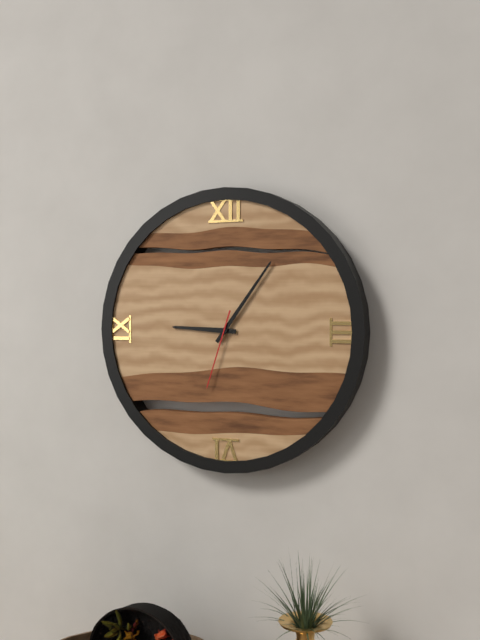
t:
9:06:33
